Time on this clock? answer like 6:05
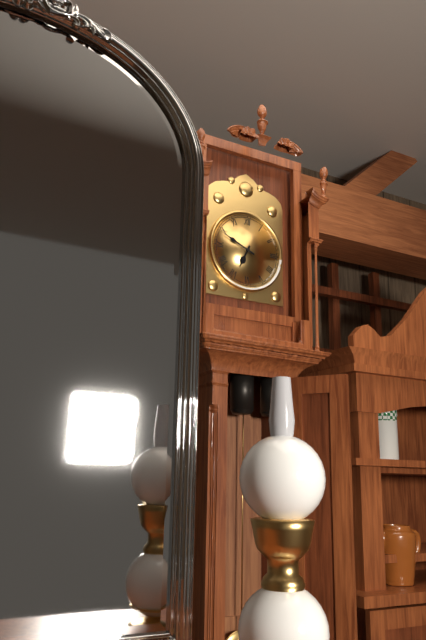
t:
6:49
